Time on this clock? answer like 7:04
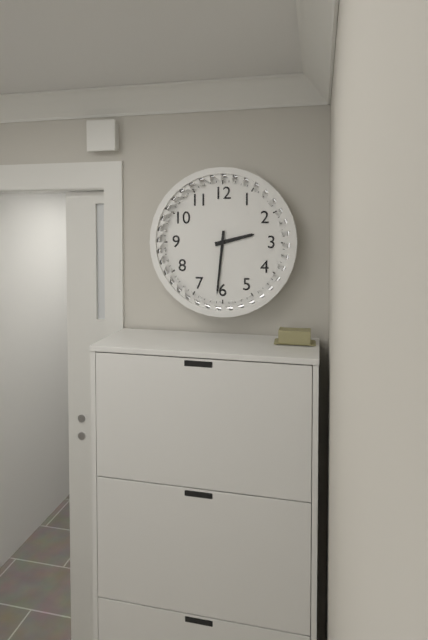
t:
2:31
